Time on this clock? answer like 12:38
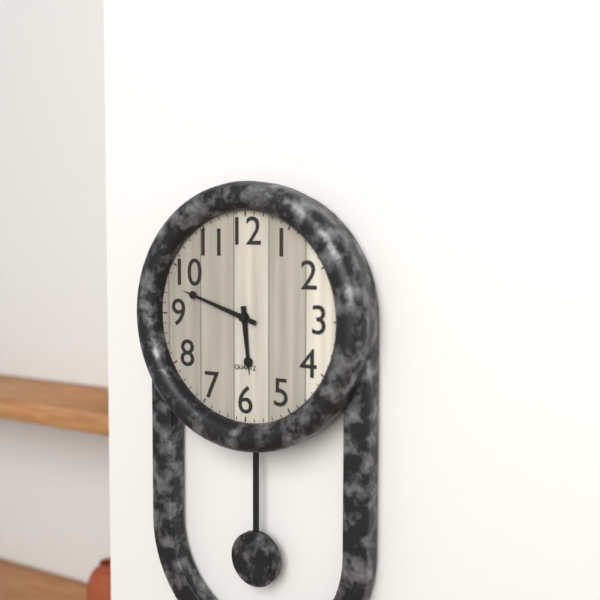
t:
5:48
